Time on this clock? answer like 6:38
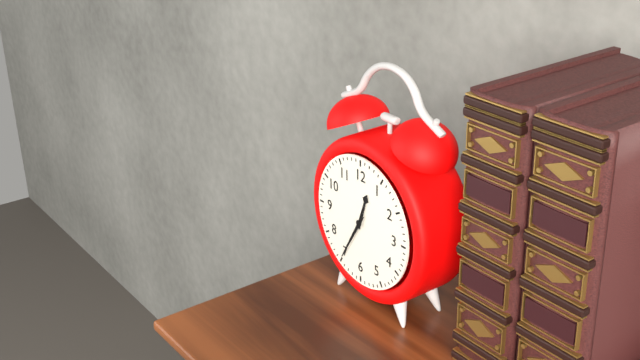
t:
12:35
